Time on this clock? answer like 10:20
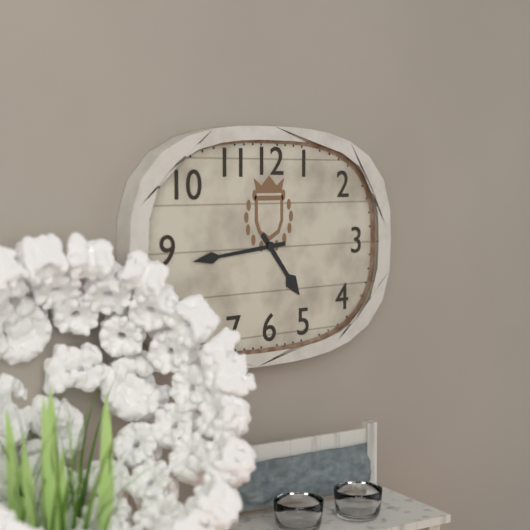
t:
4:44
